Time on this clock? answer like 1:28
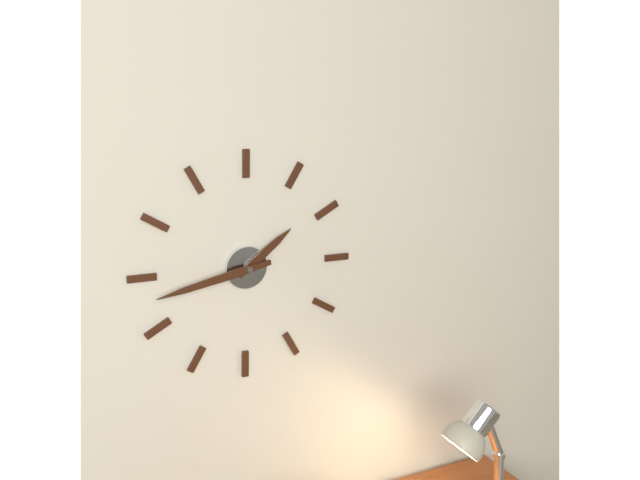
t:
1:43
